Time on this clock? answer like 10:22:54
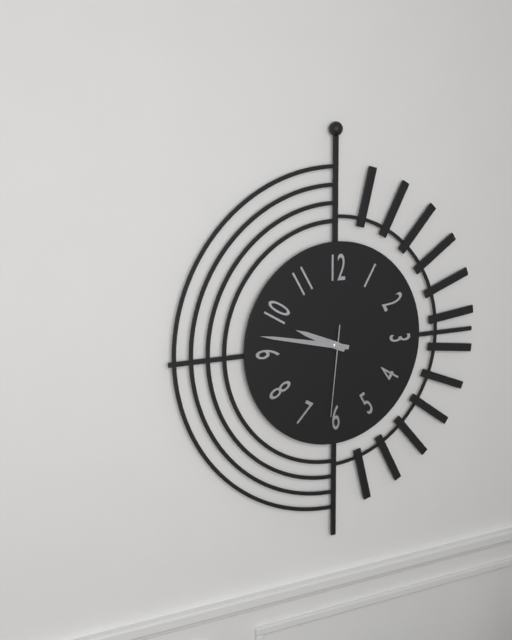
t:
9:47:31
